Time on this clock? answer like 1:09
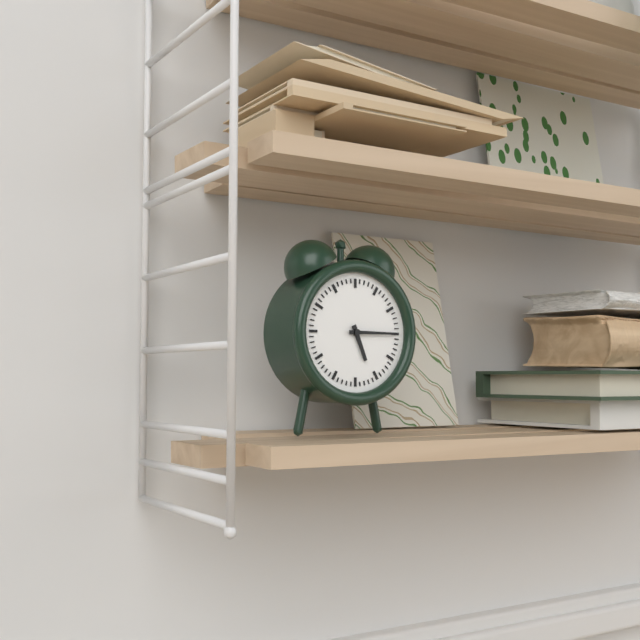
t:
5:15
